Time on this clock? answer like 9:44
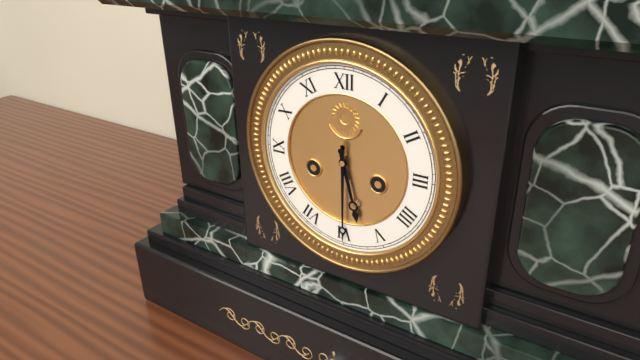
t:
5:30
